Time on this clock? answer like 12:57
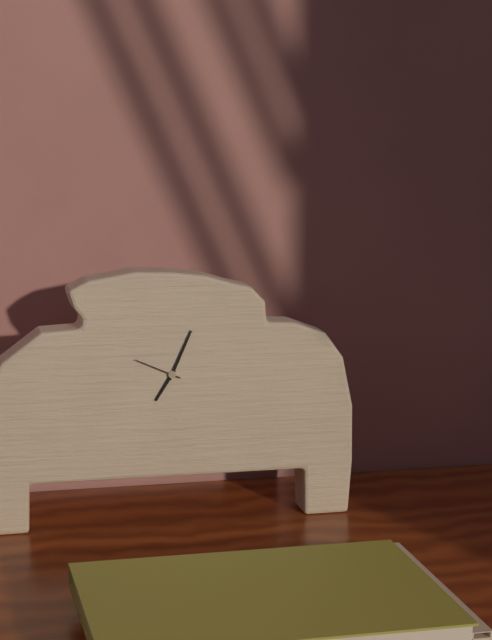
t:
7:04
